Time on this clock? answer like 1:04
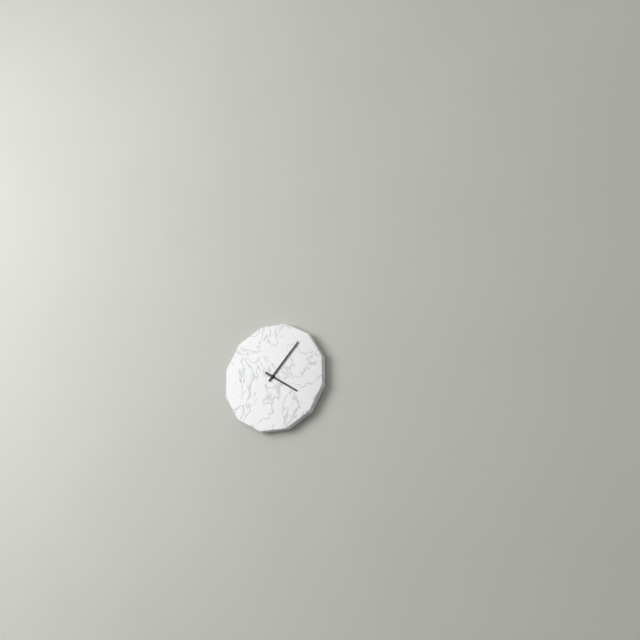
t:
4:07
